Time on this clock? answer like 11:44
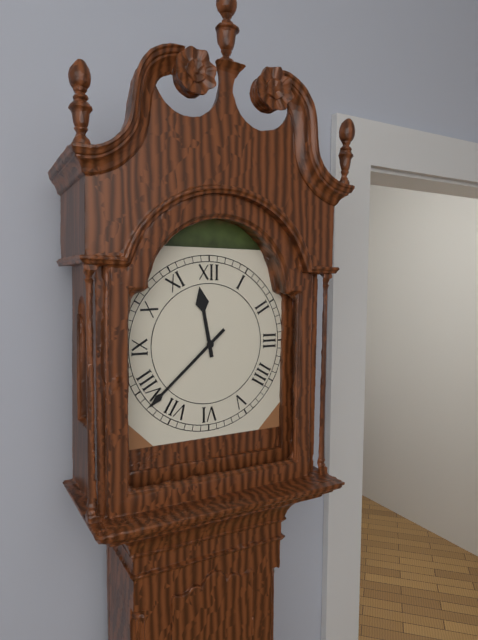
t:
11:38
